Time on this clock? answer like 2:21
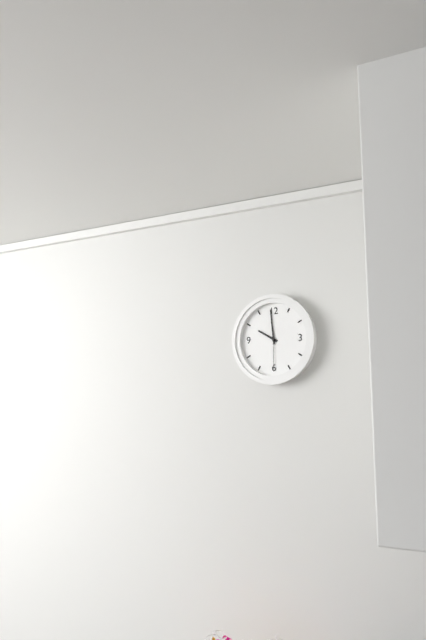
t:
9:59
